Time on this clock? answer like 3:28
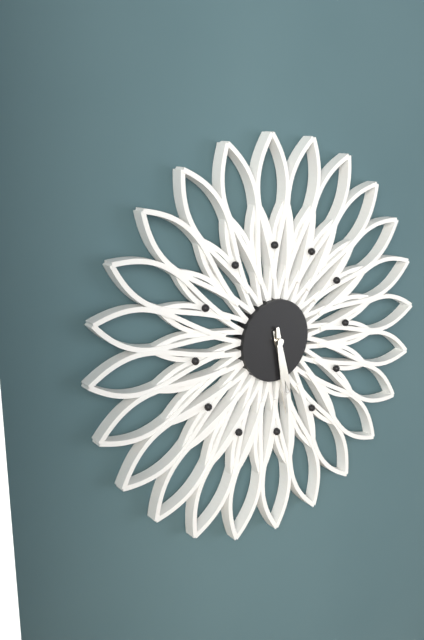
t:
5:29
